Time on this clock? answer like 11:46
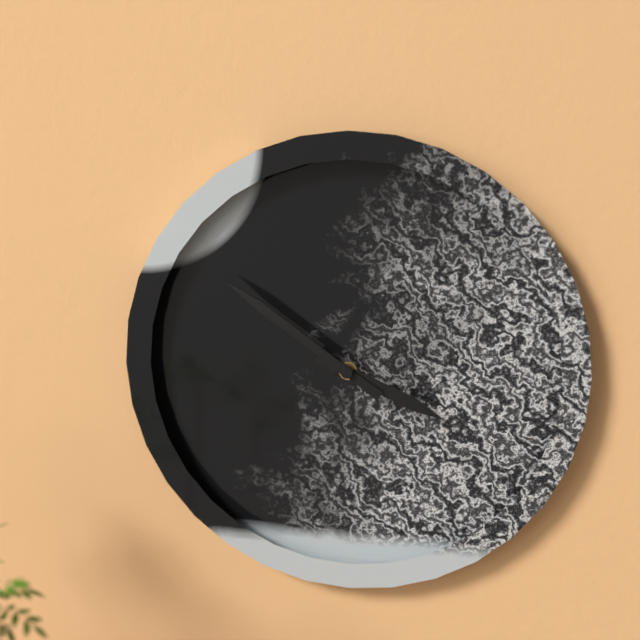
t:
3:51
